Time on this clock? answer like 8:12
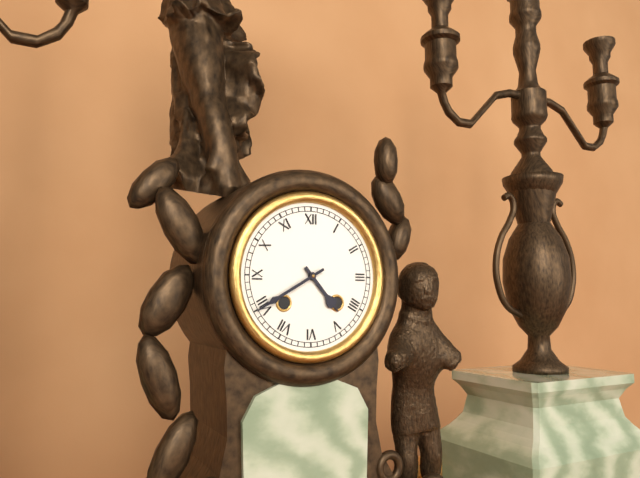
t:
4:40
